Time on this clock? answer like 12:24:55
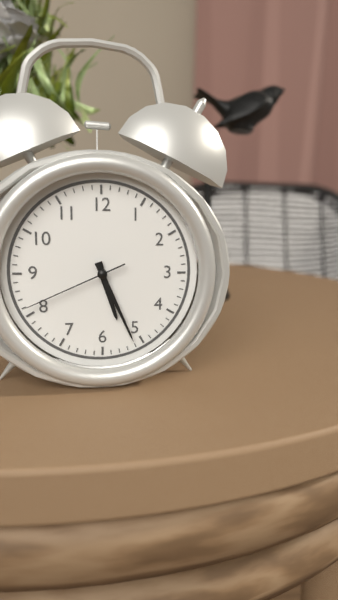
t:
5:26:41
